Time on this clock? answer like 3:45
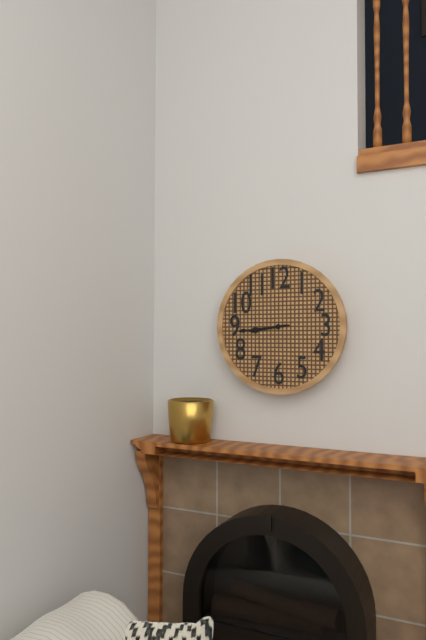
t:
8:44
